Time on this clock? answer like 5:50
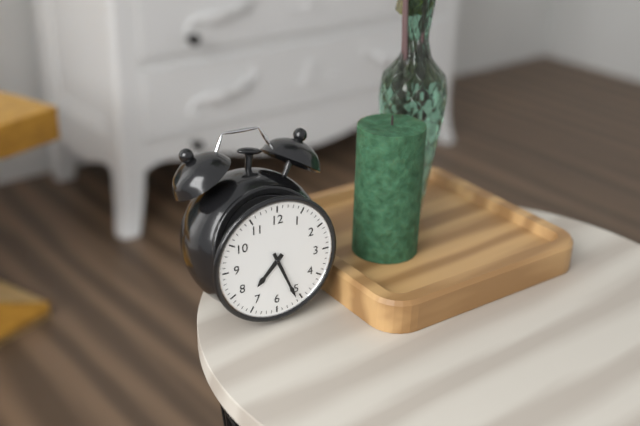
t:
7:26
